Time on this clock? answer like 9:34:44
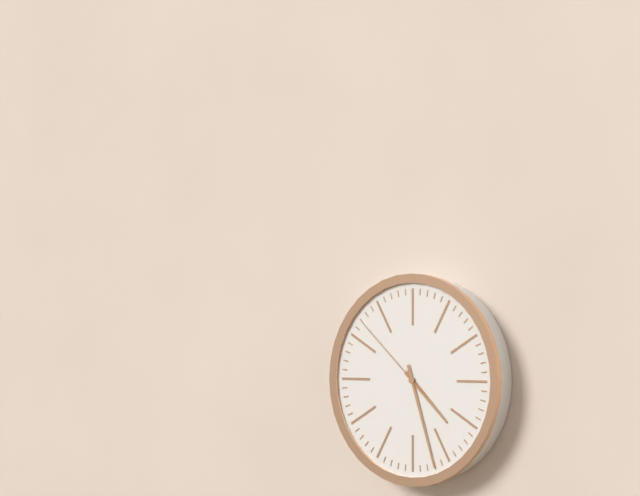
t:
4:27:52
